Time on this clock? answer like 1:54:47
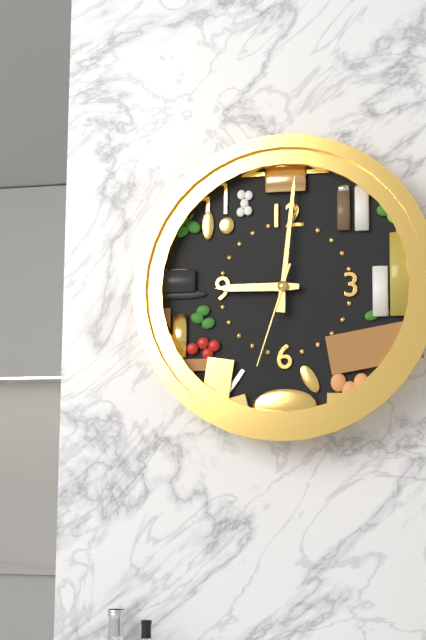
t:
9:01:33
